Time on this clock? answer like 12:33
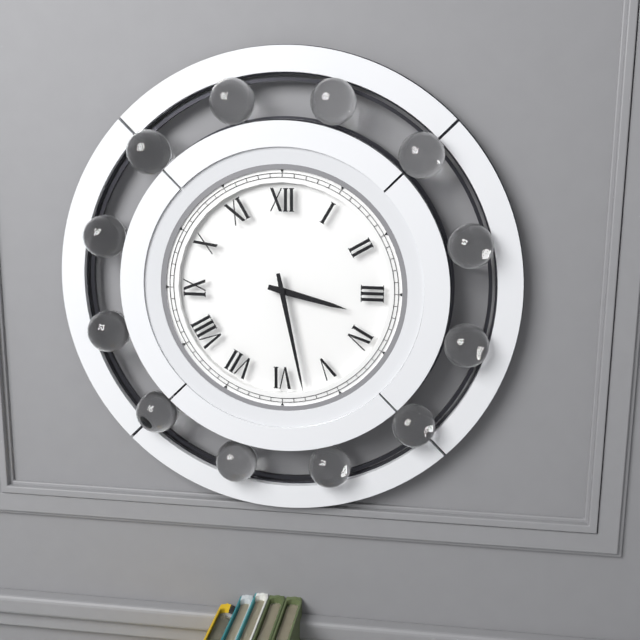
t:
3:28
